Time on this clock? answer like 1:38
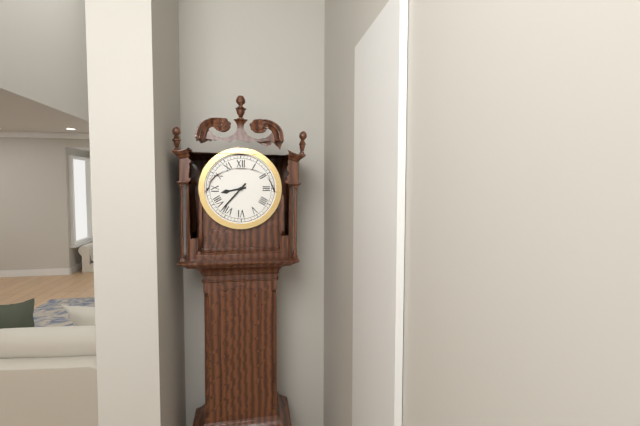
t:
8:37
